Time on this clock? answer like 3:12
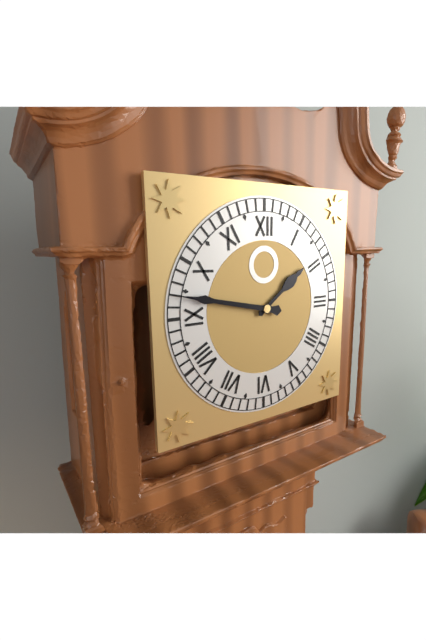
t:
1:47
